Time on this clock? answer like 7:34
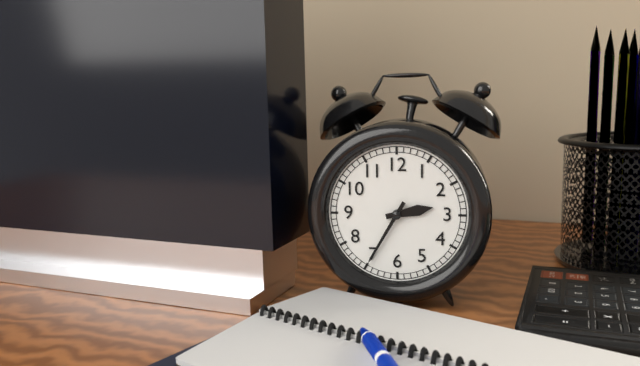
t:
2:35
